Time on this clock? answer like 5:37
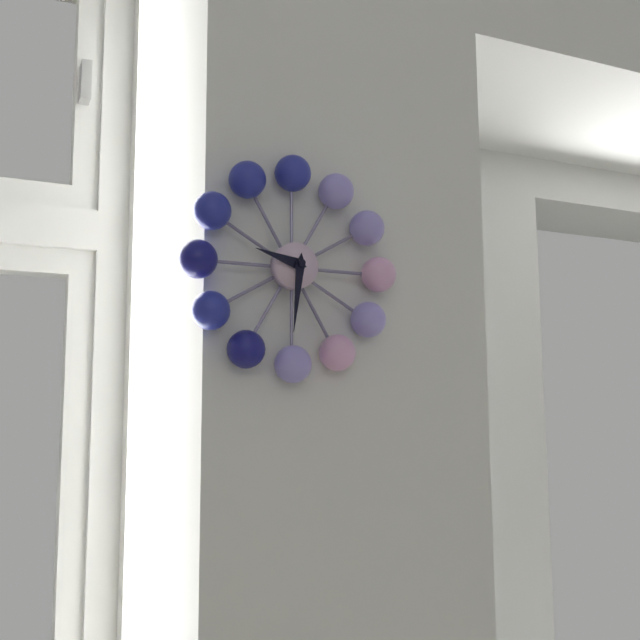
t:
9:31
